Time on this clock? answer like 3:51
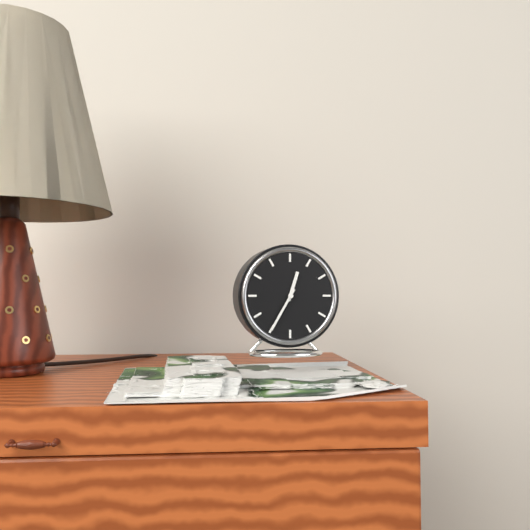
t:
12:35
